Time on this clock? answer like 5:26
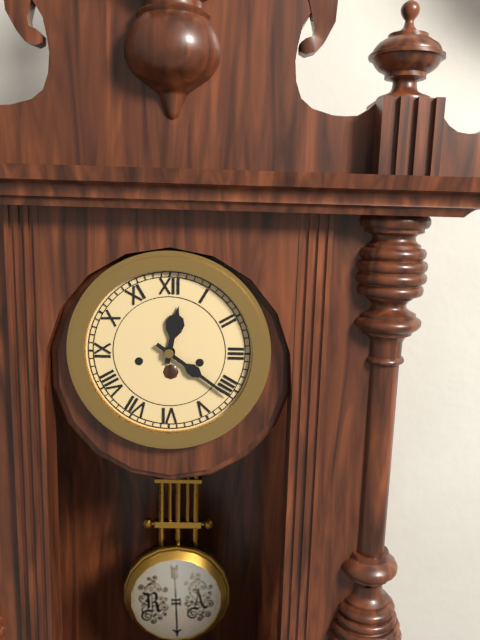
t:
12:21
